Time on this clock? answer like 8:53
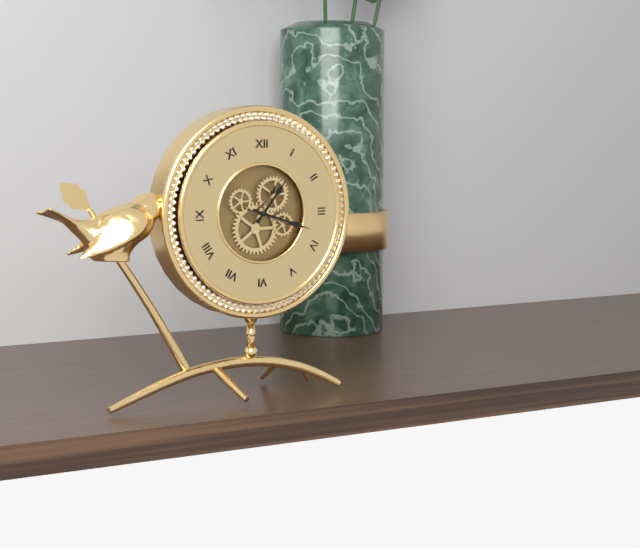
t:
1:18
